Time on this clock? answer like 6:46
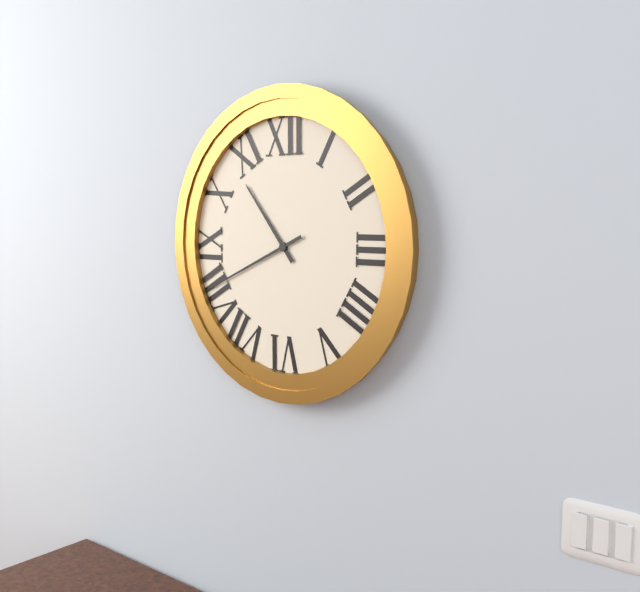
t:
10:41
